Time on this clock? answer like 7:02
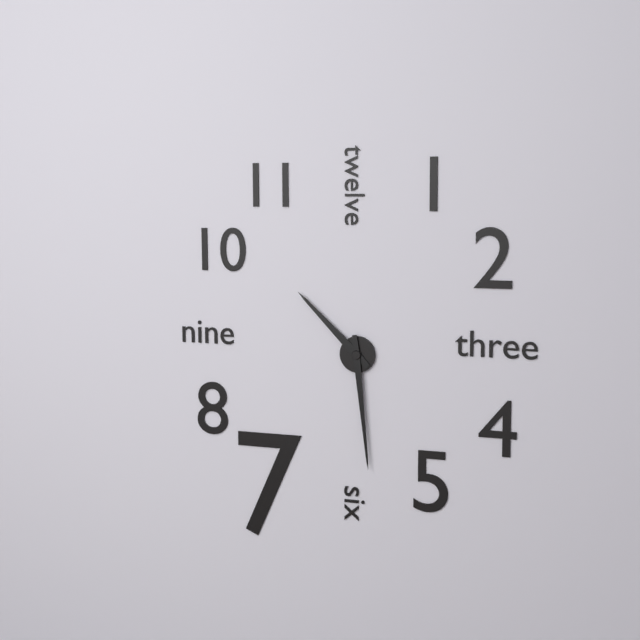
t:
10:29
